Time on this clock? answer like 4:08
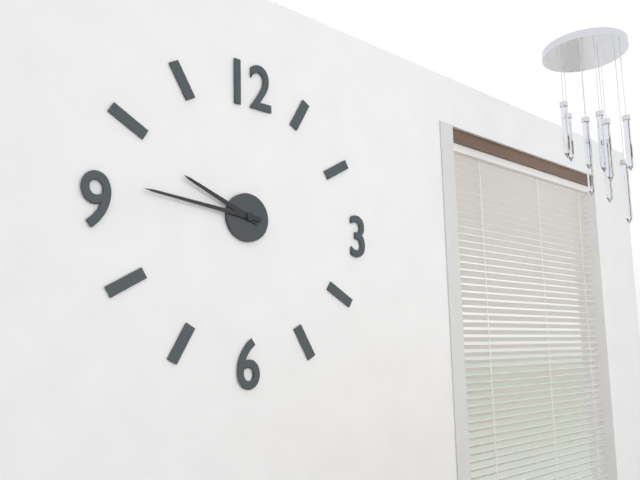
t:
9:46
